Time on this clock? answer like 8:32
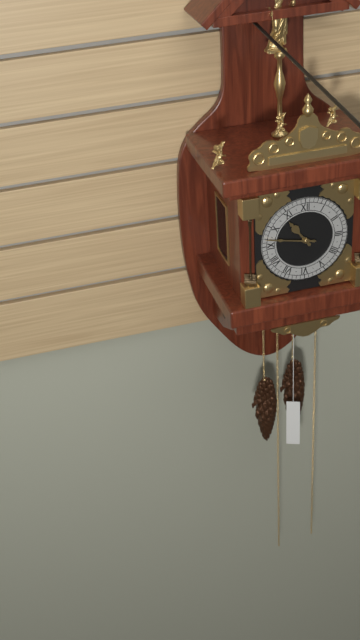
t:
10:47
